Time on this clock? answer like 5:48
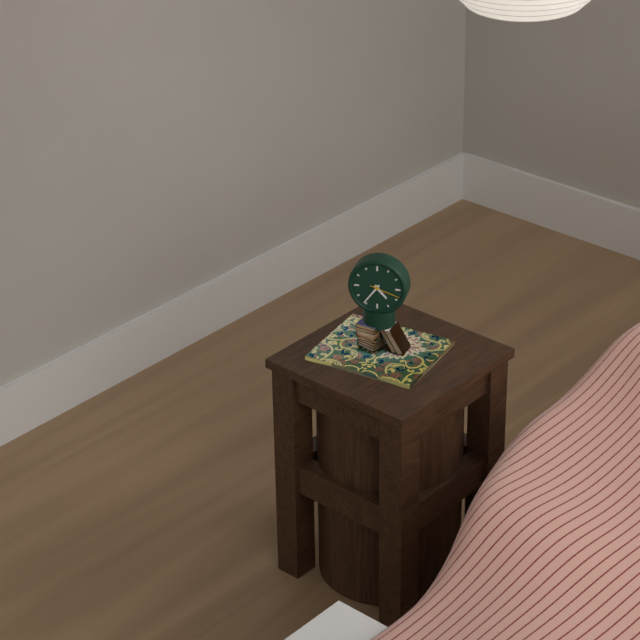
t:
4:36
